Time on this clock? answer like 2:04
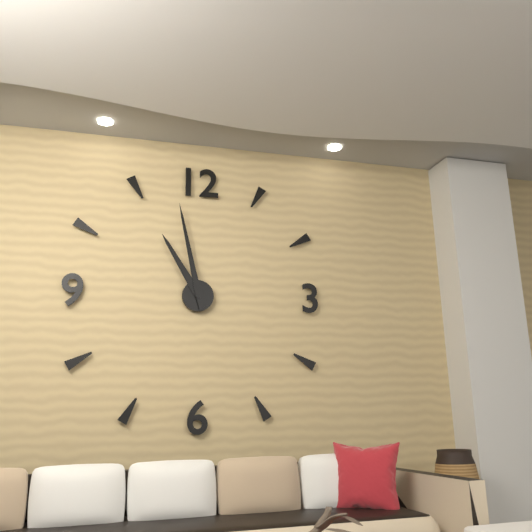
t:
10:58
